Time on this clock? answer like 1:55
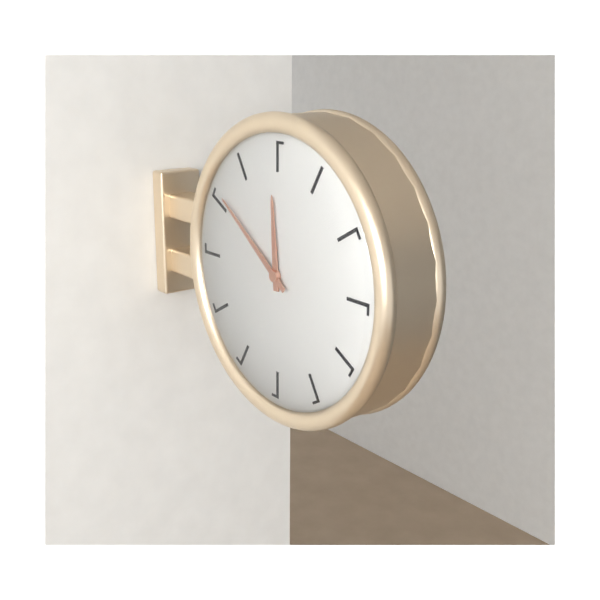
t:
11:51
